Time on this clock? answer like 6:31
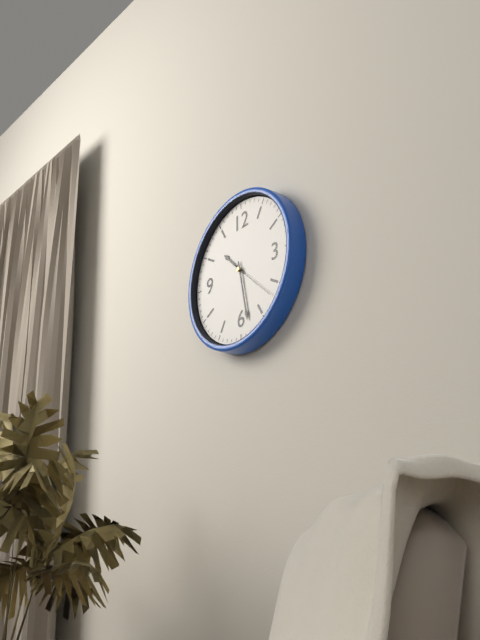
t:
10:28
